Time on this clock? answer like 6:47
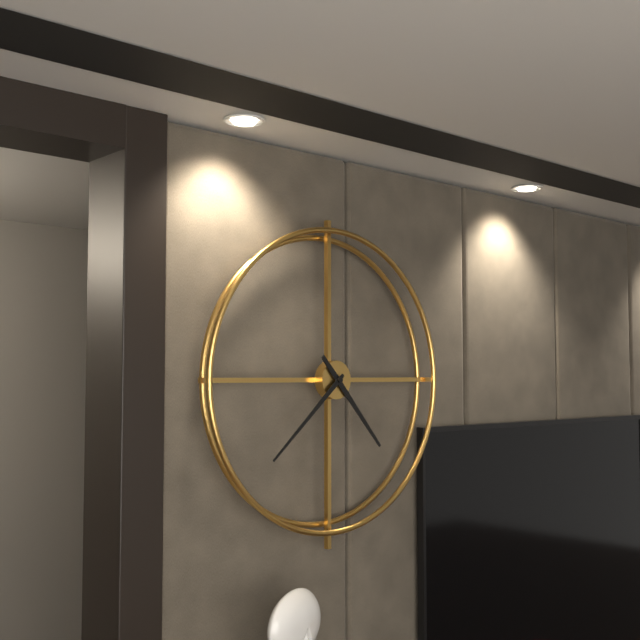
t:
4:38
